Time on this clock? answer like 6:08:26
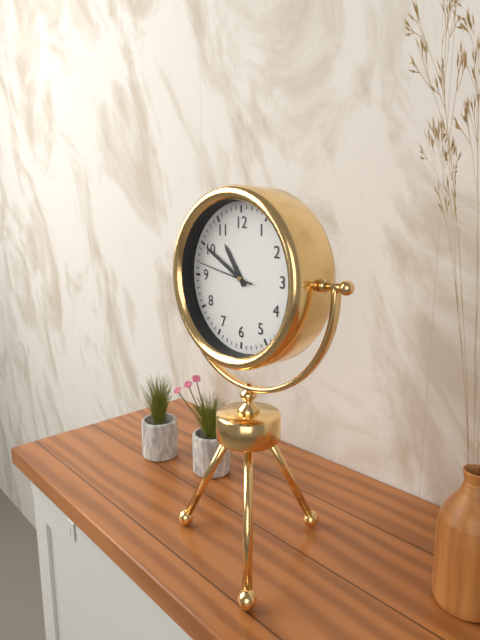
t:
10:50:47
